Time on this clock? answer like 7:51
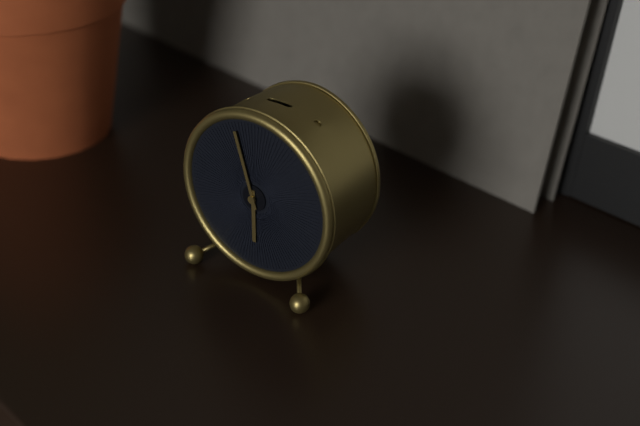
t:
5:57
